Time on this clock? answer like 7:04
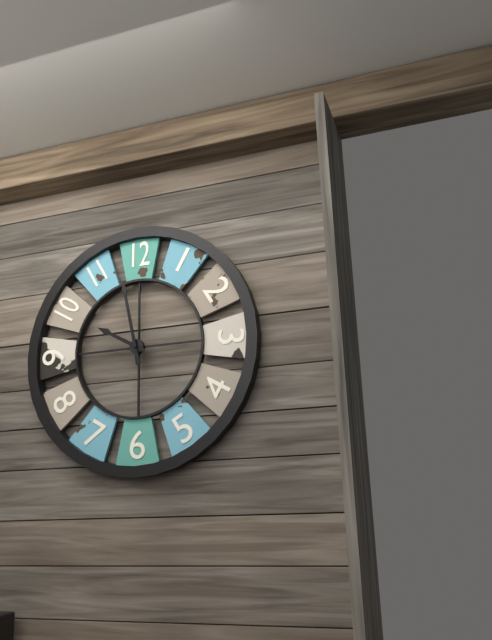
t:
9:58
